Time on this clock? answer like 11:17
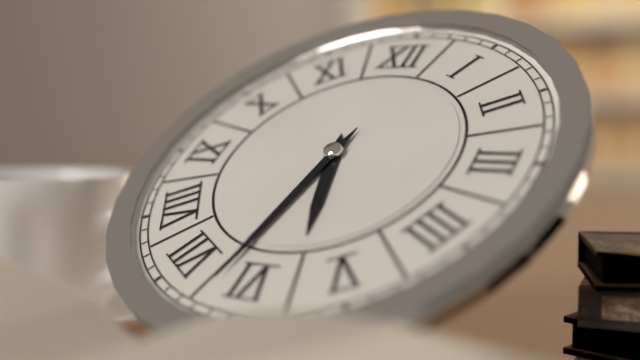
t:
5:32
